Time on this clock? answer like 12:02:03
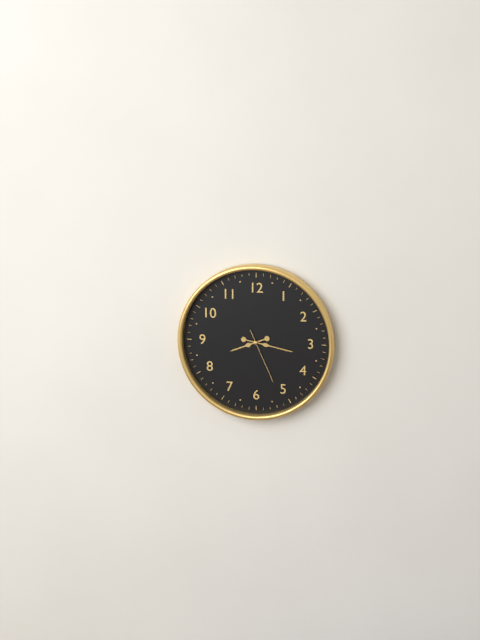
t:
8:17:26
